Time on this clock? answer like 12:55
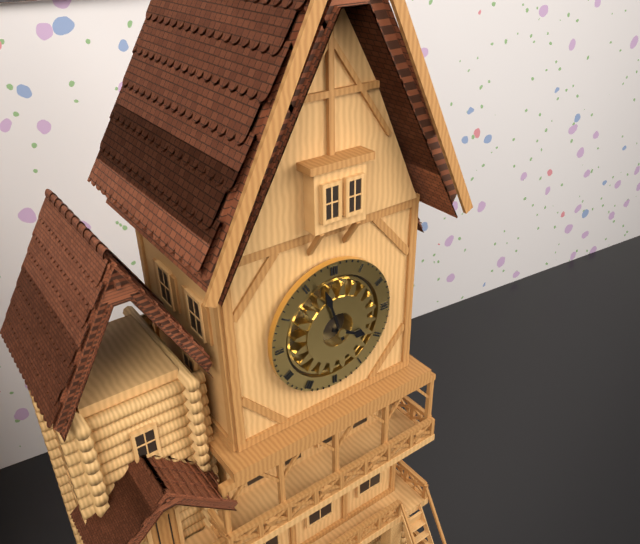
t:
3:57
